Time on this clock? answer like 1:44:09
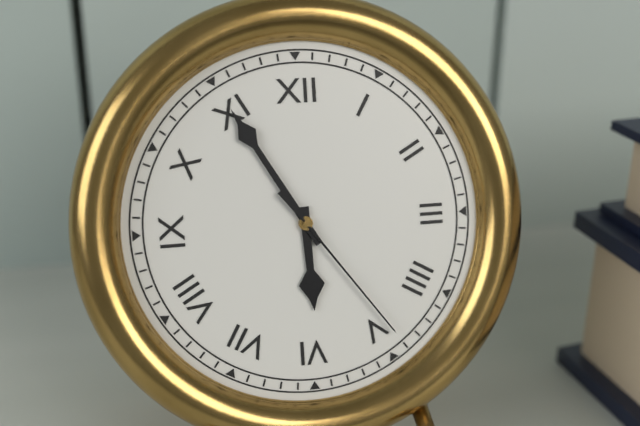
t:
5:55:24
